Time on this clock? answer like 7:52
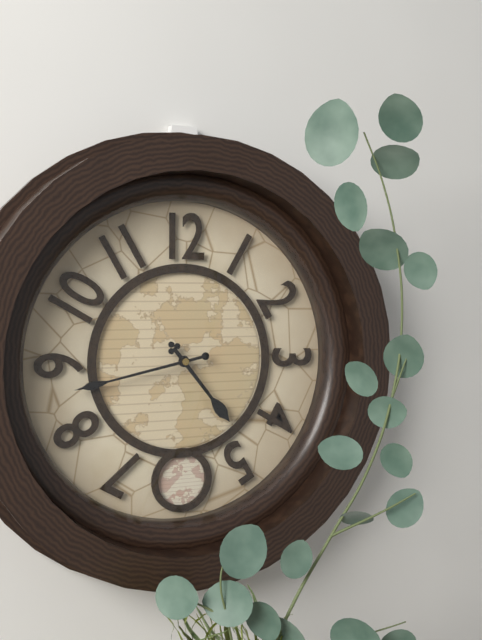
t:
4:43
